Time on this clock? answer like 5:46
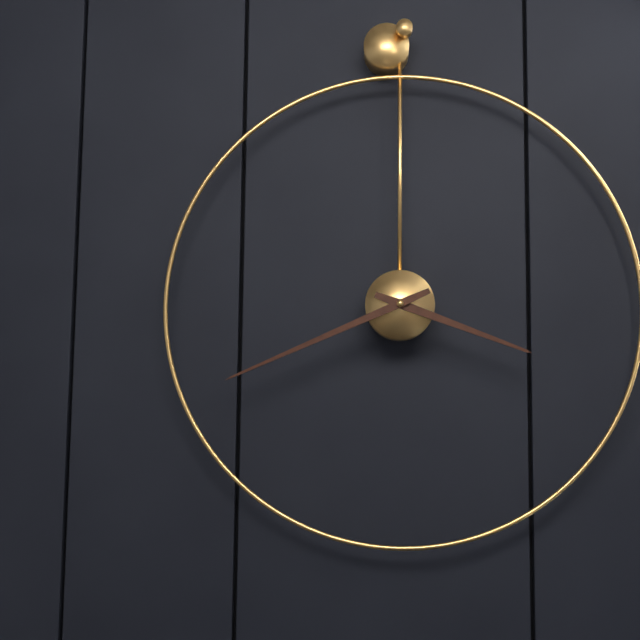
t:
3:41
